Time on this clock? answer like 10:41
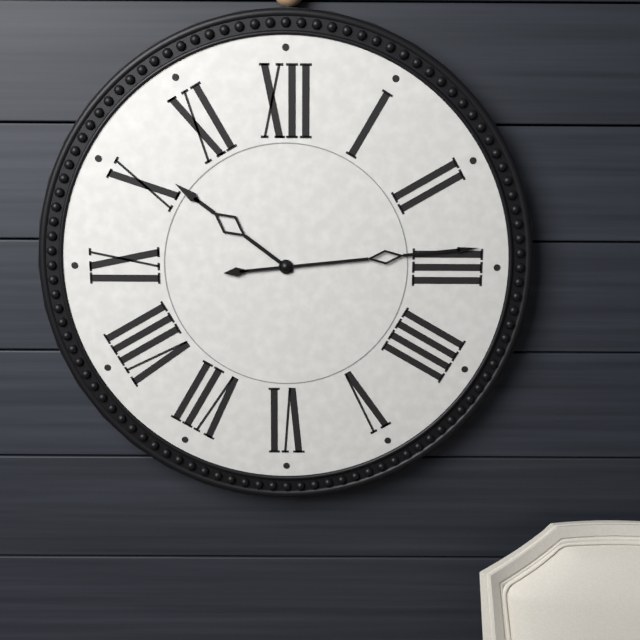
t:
10:14
